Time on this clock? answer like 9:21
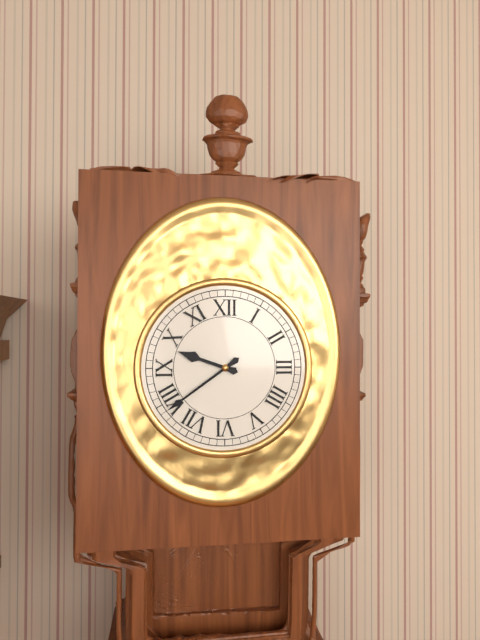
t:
9:39
